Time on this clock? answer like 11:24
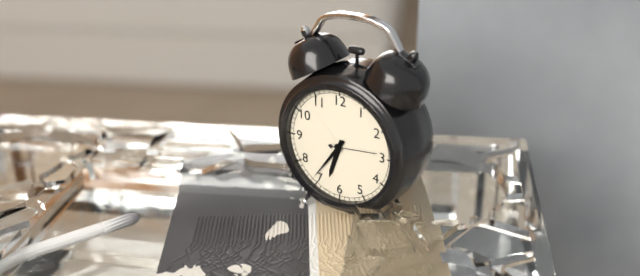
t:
6:36
